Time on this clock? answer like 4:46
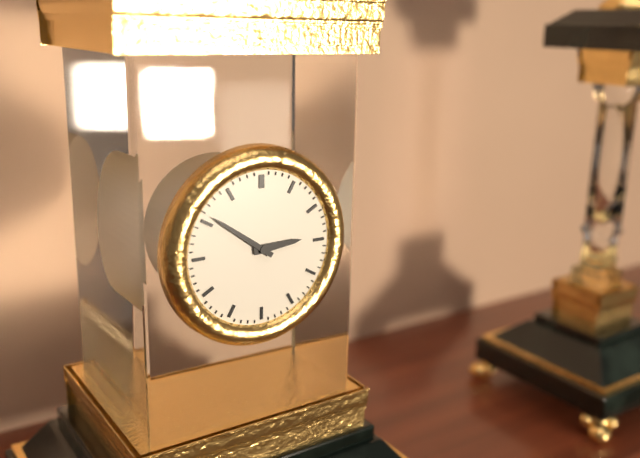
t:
2:51
